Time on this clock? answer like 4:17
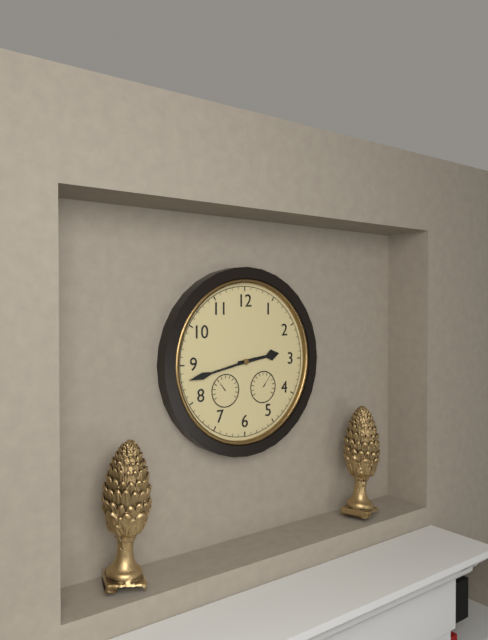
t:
2:43
